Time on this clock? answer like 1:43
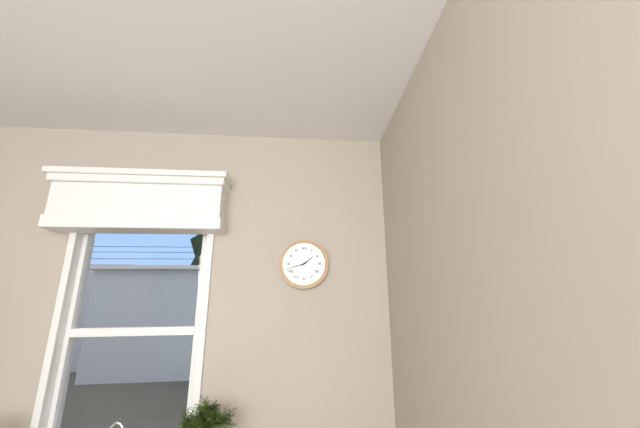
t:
1:42
